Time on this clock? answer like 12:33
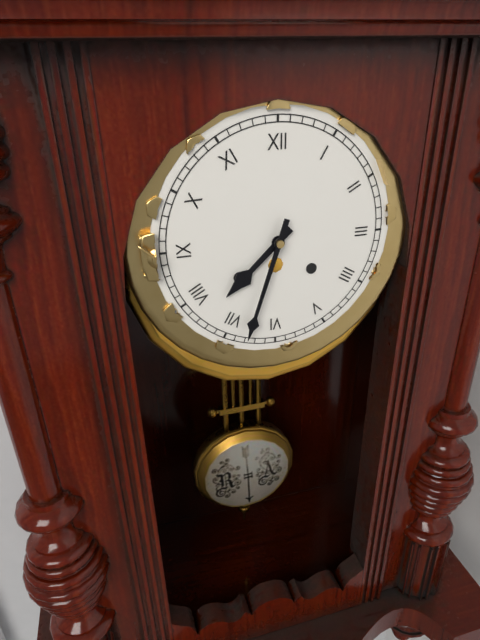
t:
7:33
